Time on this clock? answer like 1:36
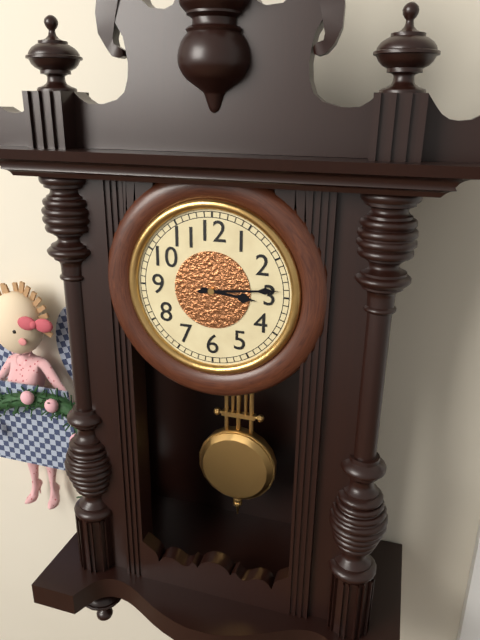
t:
3:14
